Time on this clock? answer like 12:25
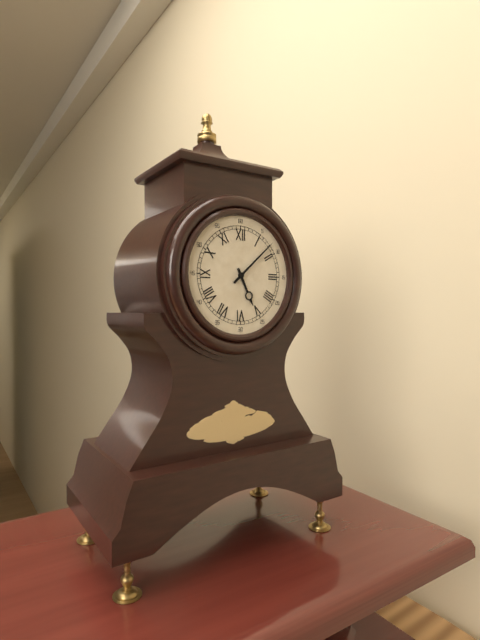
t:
5:08
